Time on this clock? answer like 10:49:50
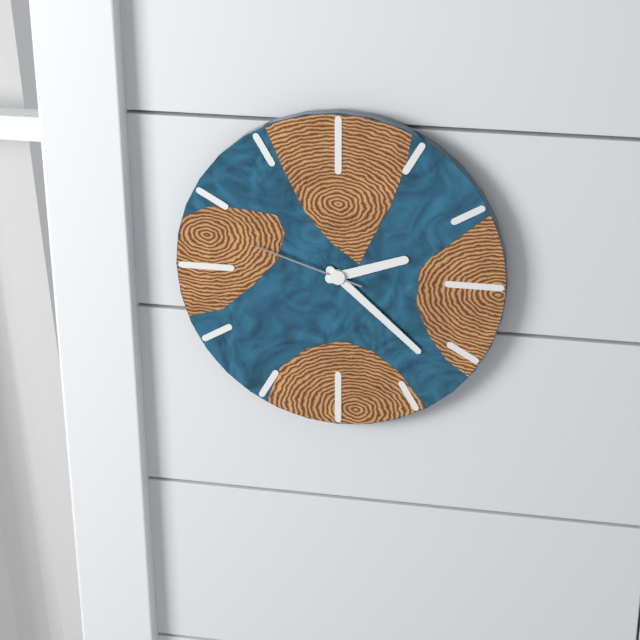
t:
2:22:48
